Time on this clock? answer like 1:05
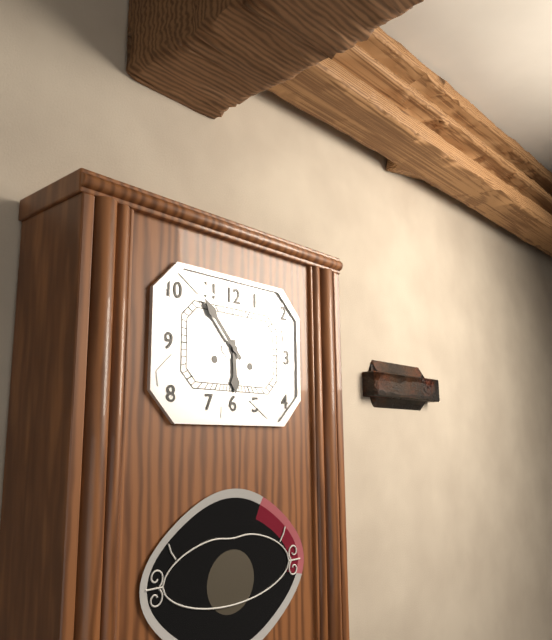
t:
5:53
